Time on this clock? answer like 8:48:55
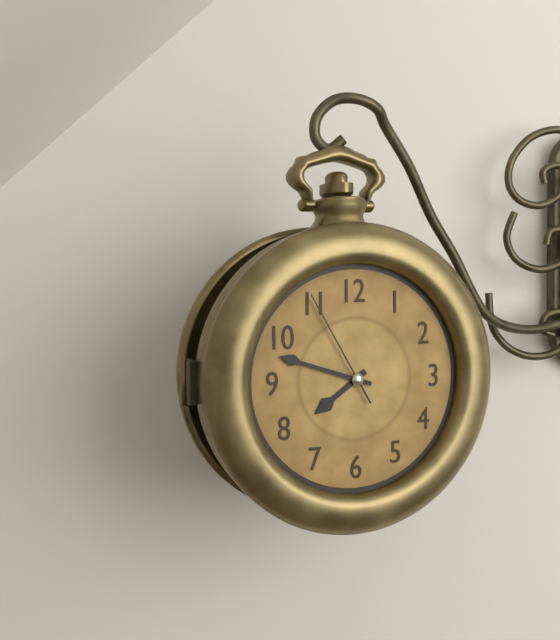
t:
7:48:55
